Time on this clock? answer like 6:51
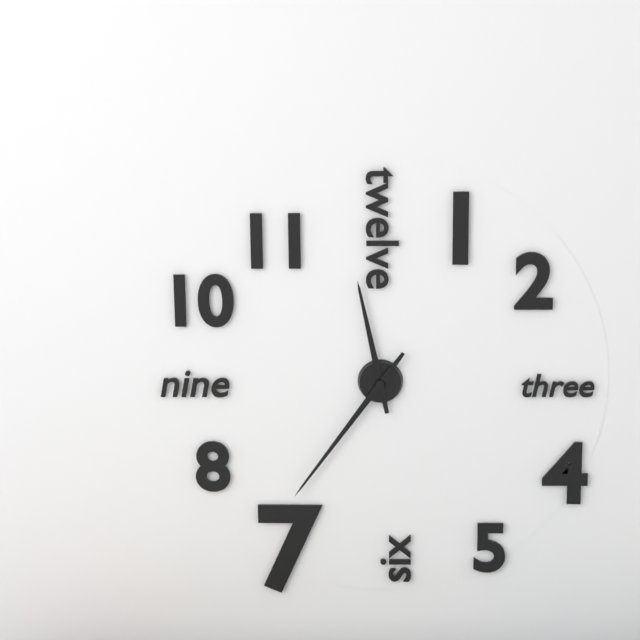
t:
11:36
